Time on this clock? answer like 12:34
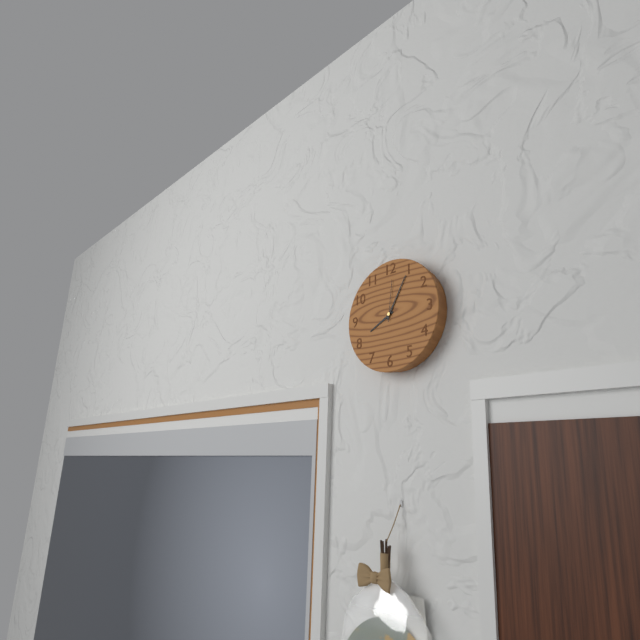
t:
8:05
